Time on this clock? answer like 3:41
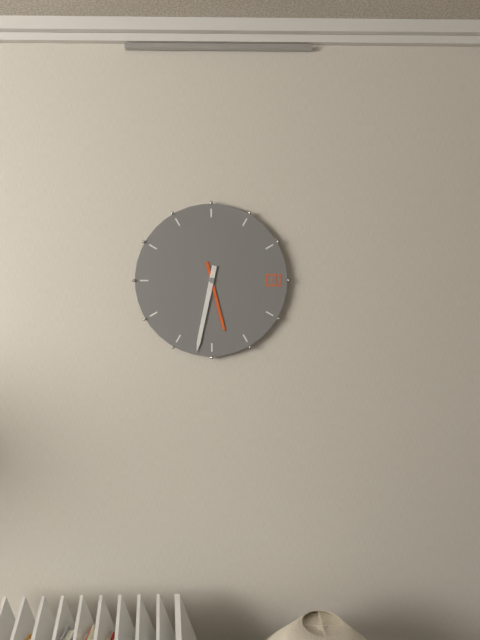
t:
5:32
